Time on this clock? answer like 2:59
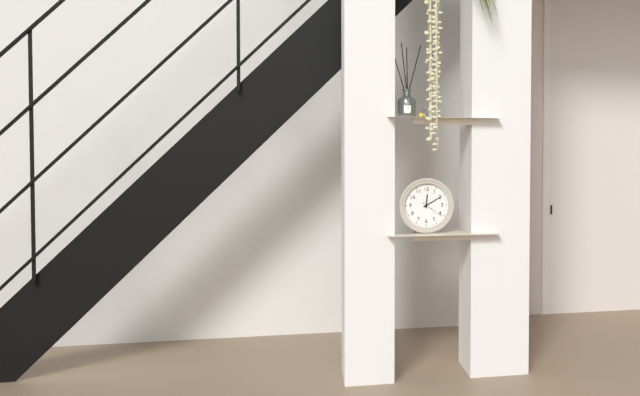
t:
12:10
